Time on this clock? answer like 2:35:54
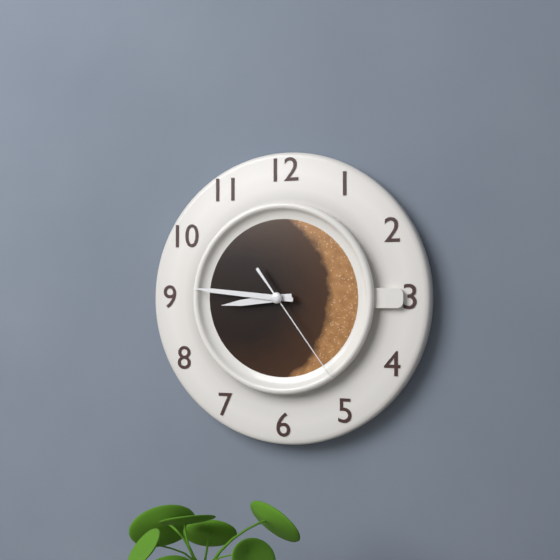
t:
8:46:24
